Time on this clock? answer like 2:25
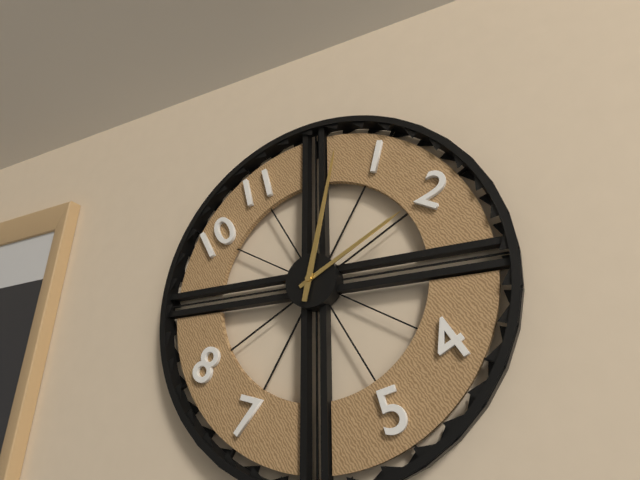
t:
2:02
